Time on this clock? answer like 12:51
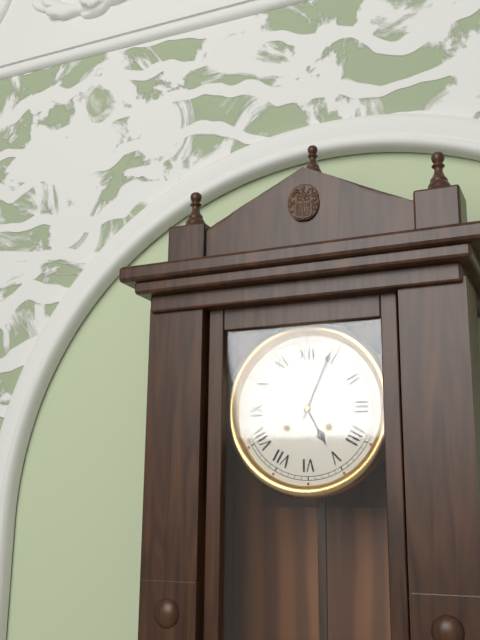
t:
5:04
